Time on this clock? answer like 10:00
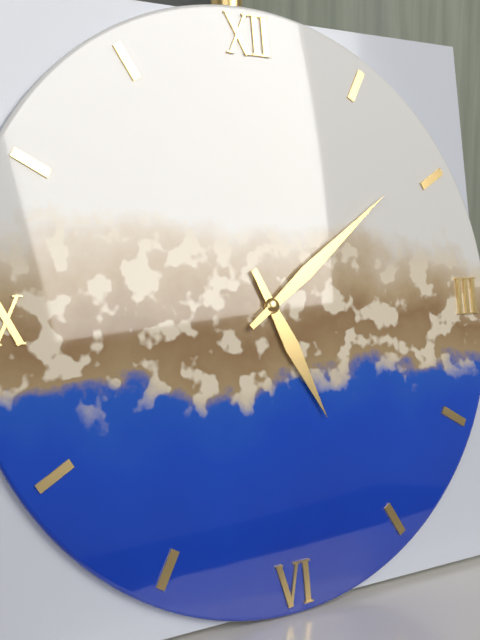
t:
5:09
